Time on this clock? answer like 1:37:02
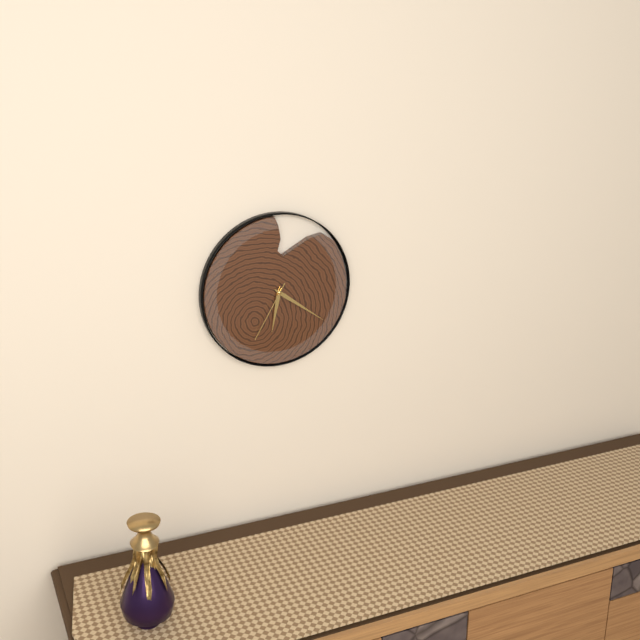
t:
6:21:35
